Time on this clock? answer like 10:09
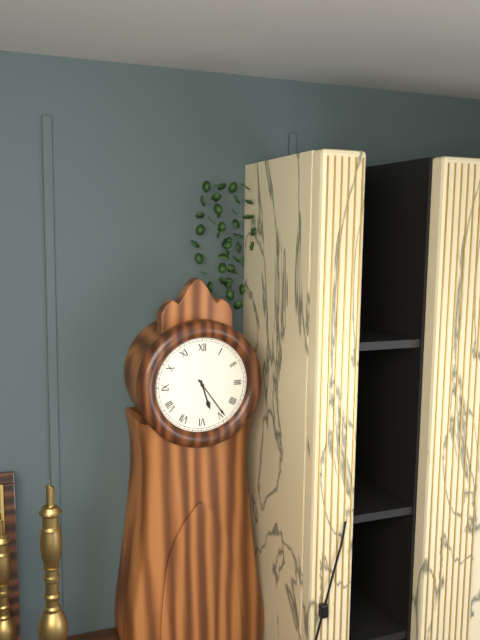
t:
5:24
